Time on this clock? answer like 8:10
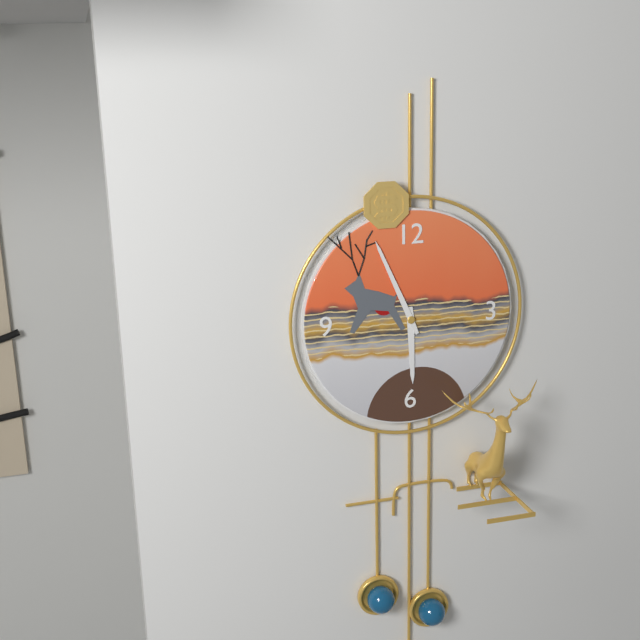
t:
5:56
